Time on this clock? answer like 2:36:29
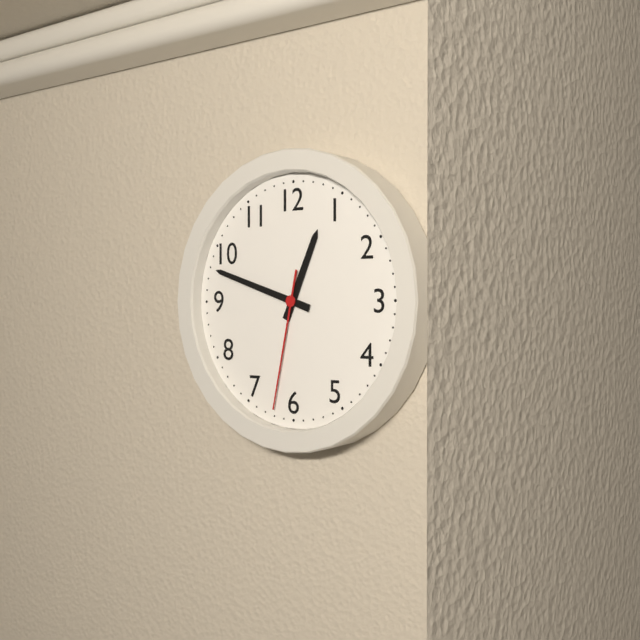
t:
12:48:32
